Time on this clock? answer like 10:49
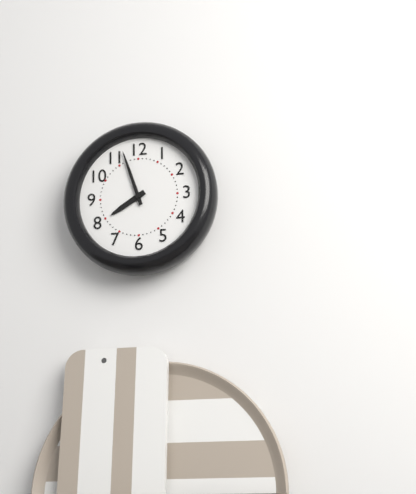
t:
7:57
